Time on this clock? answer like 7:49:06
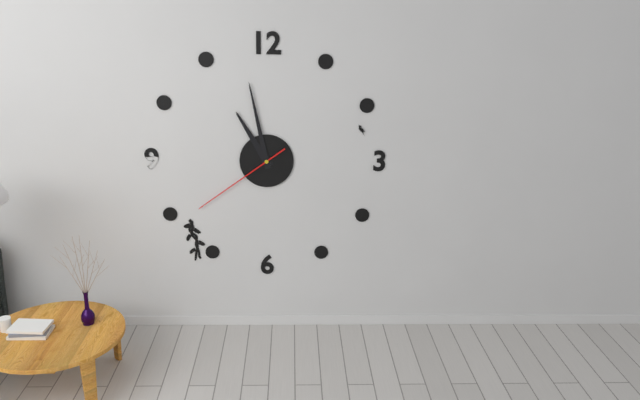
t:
10:58:39
